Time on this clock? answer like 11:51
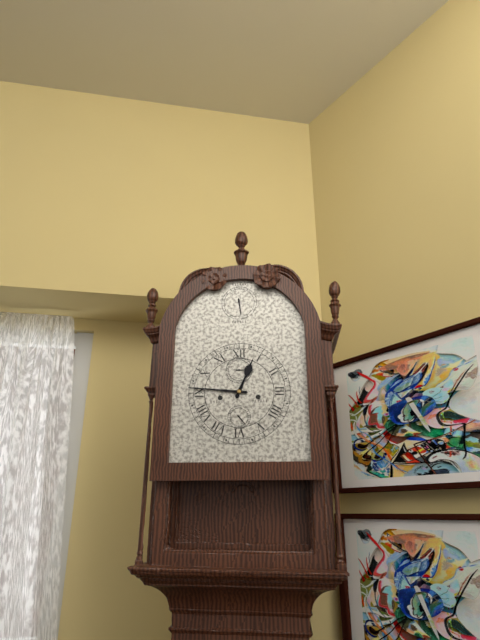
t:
12:46
